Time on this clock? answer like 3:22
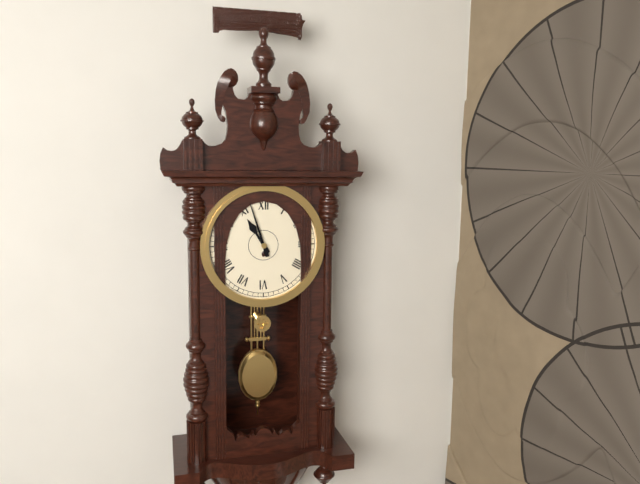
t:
10:57
